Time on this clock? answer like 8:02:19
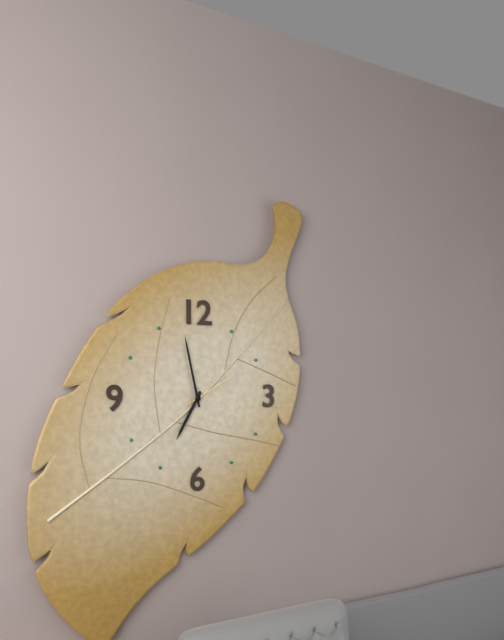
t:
6:58:10
